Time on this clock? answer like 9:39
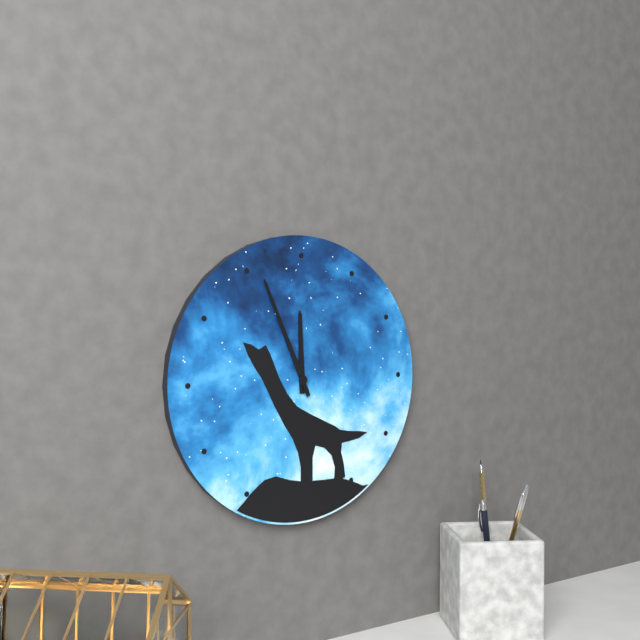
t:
11:56
